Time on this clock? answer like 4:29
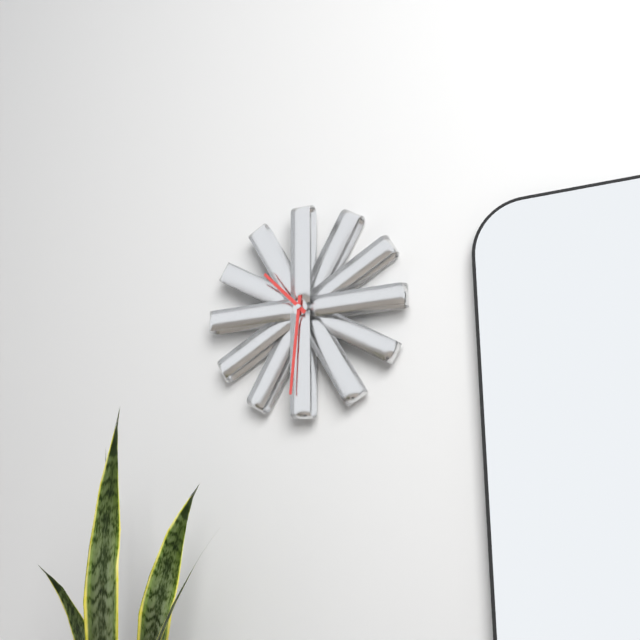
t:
10:31
